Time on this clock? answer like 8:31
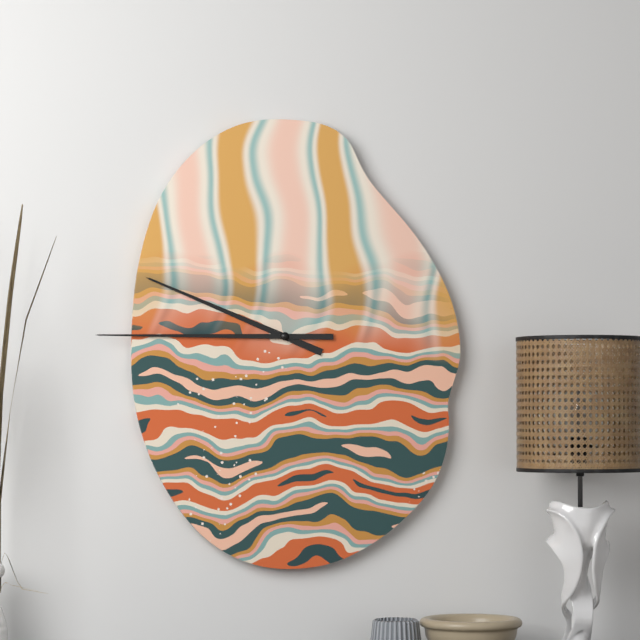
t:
9:45
